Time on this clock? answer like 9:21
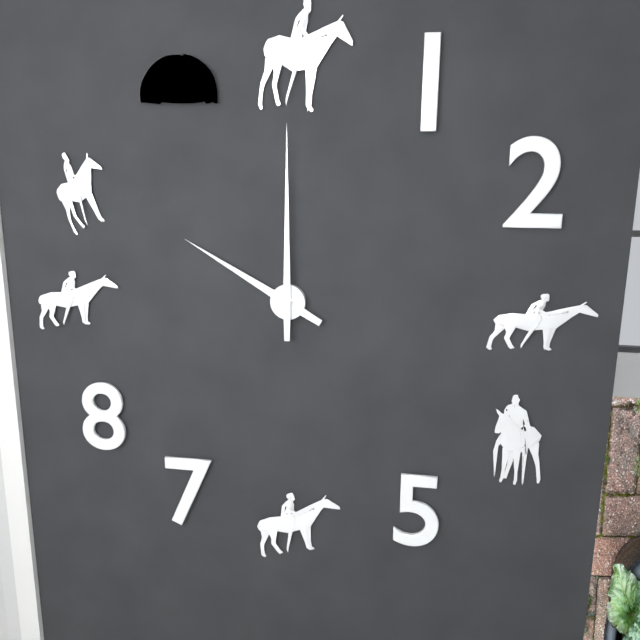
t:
10:00
